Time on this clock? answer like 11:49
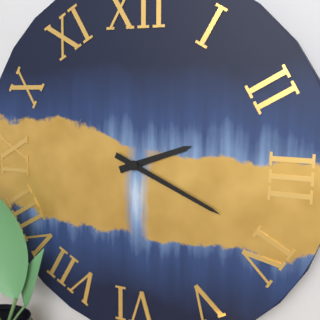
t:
2:19
